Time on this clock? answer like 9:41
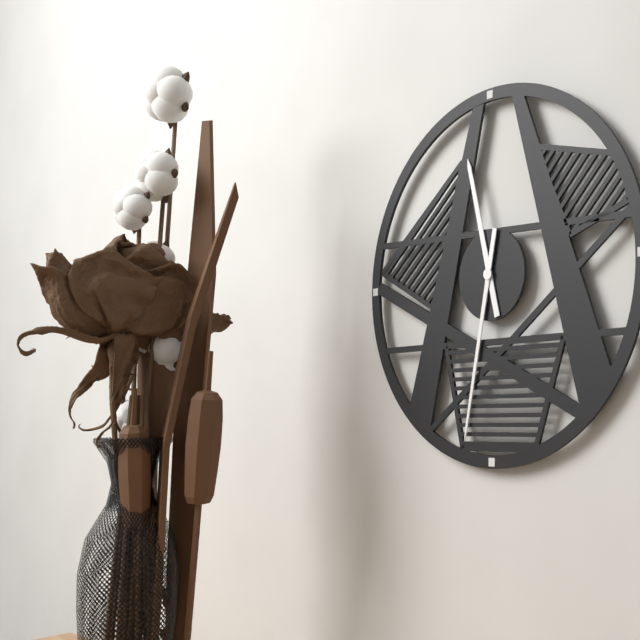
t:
11:32
